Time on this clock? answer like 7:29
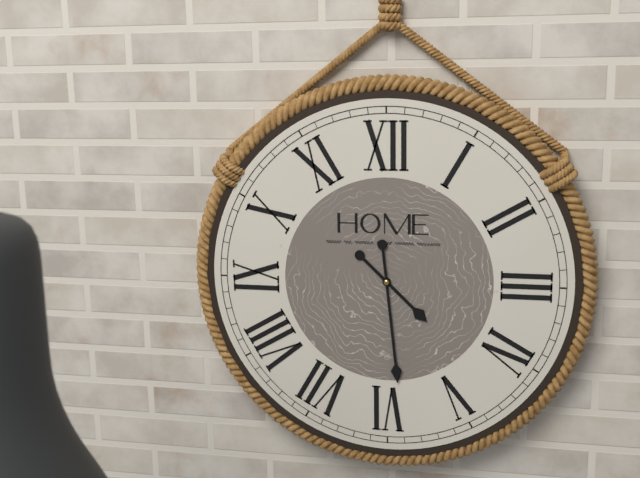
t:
4:29
